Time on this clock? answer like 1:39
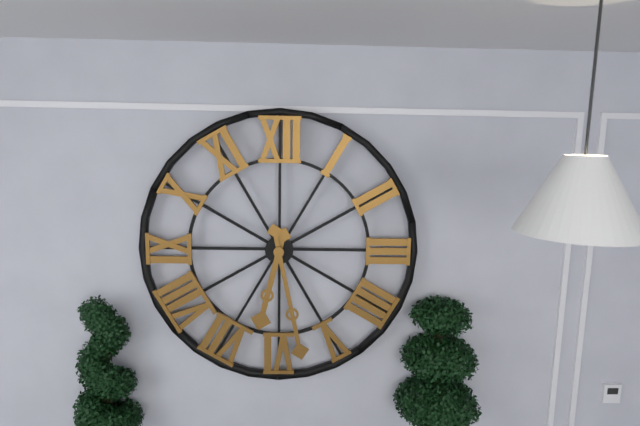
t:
6:28
